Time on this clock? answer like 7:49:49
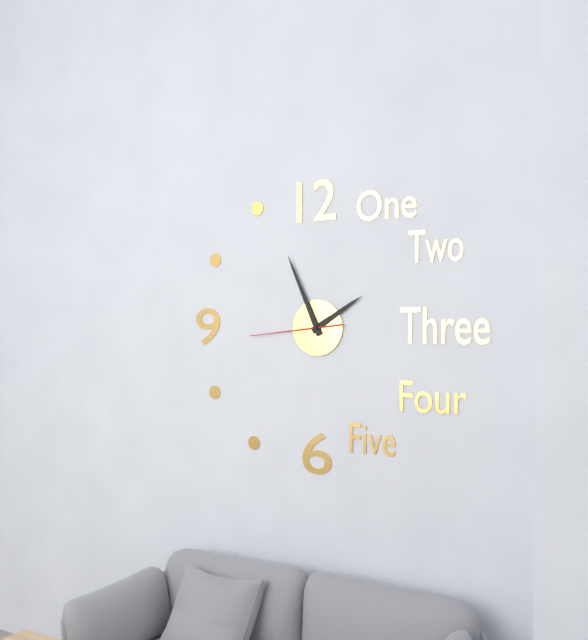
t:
1:56:44
